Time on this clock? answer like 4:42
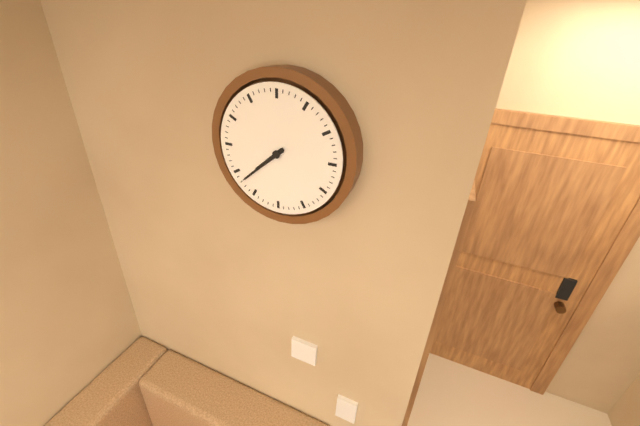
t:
7:38
